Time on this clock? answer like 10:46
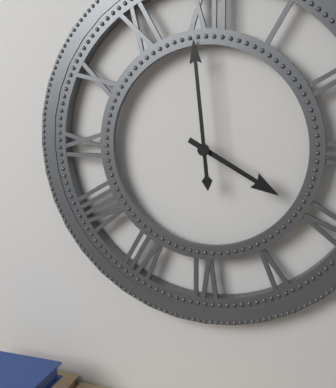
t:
3:59
